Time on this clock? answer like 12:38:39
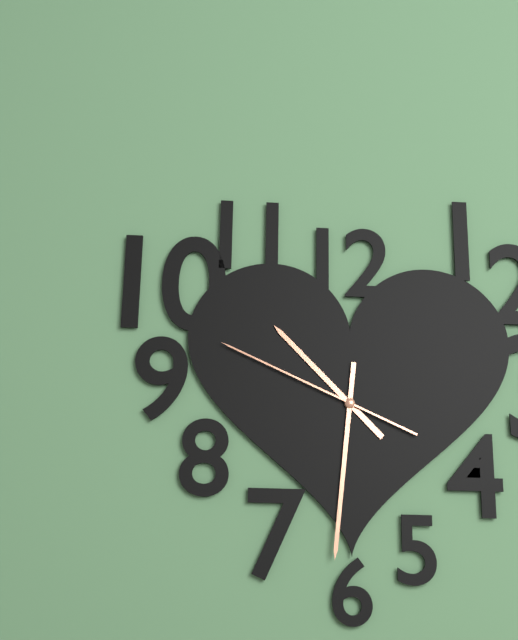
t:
10:31:49
